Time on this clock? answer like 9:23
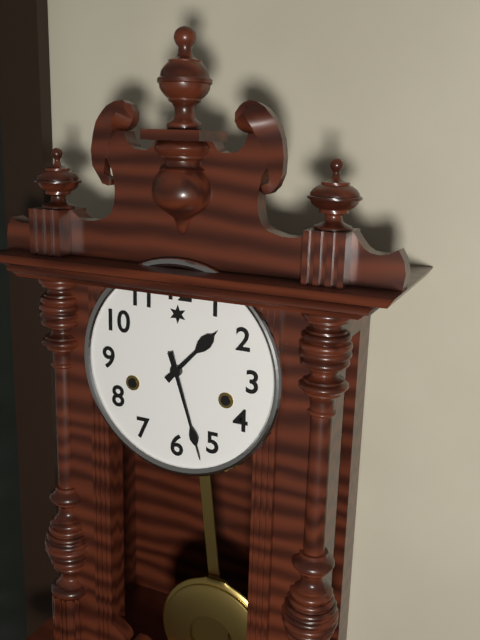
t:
1:27
